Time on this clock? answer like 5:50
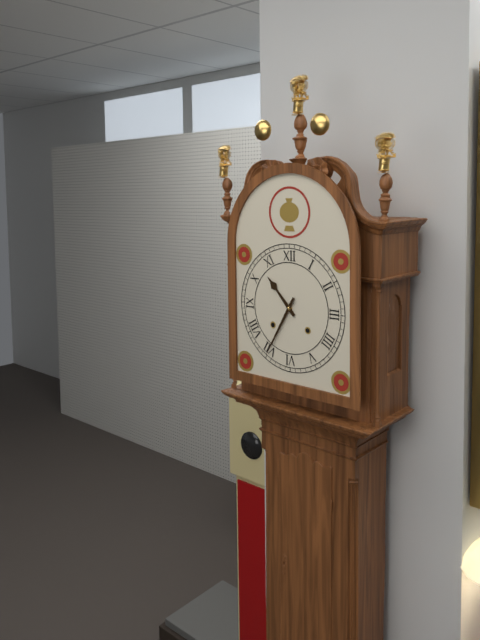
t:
10:35
